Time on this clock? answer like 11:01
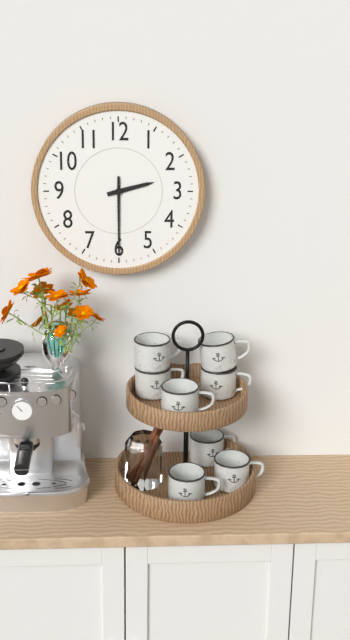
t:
2:30
